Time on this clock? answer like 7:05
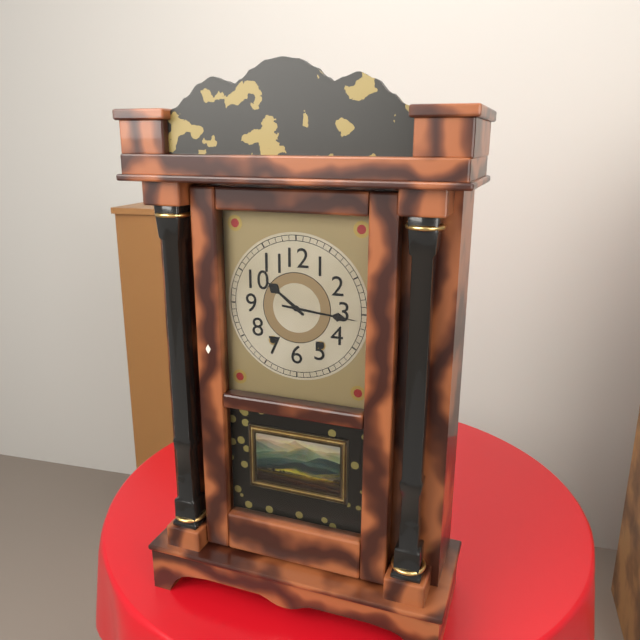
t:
10:16
